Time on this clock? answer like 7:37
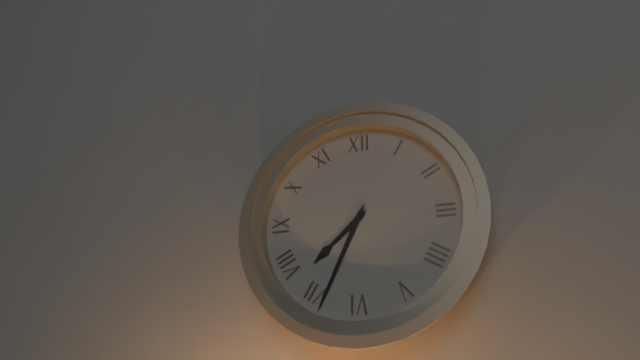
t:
7:34
